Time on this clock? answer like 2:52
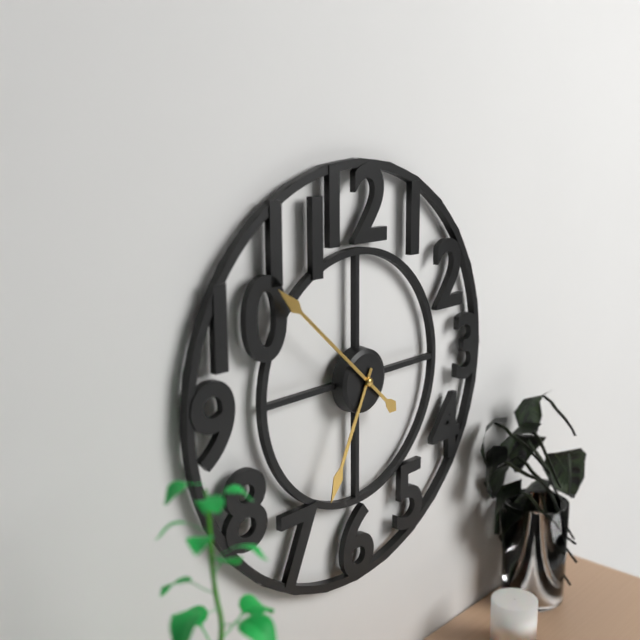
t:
6:52
